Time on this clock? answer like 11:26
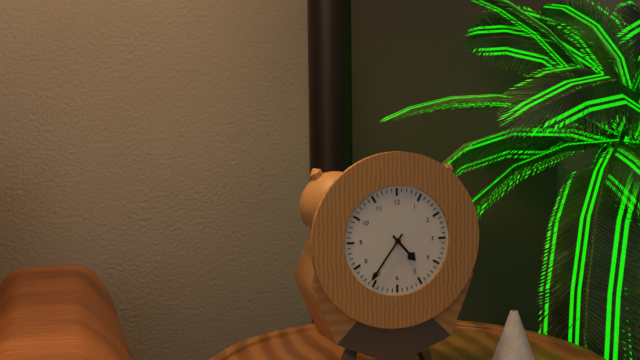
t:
4:36
